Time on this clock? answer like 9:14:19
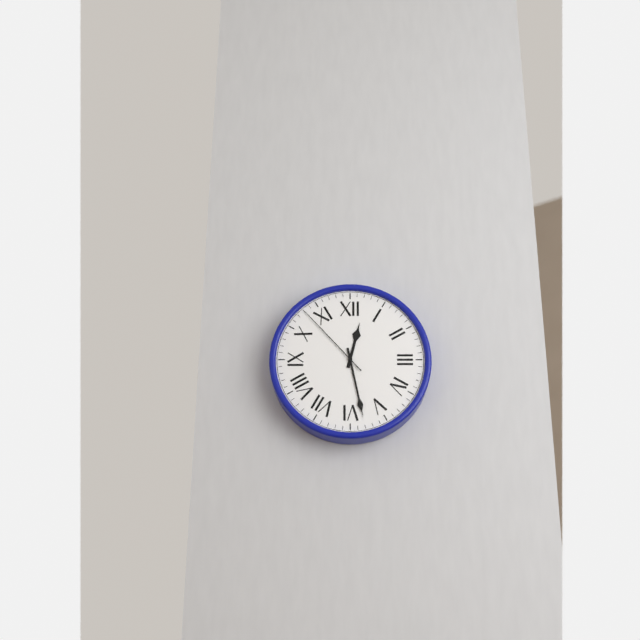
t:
12:28:53
